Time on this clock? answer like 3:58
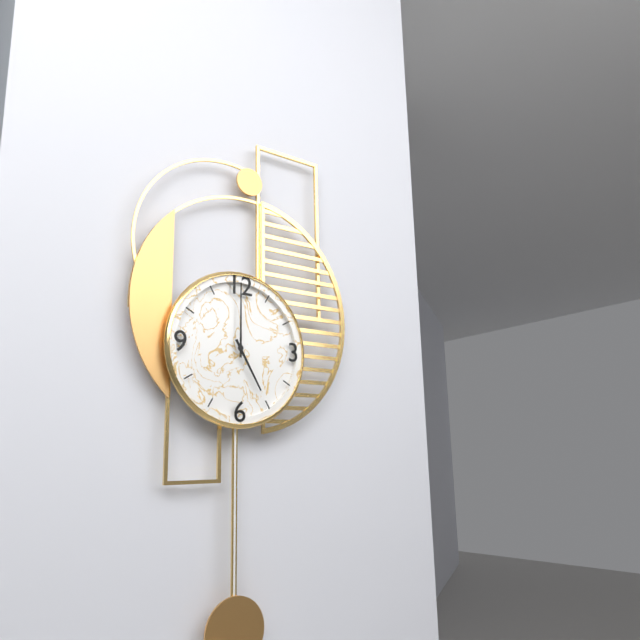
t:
5:00
